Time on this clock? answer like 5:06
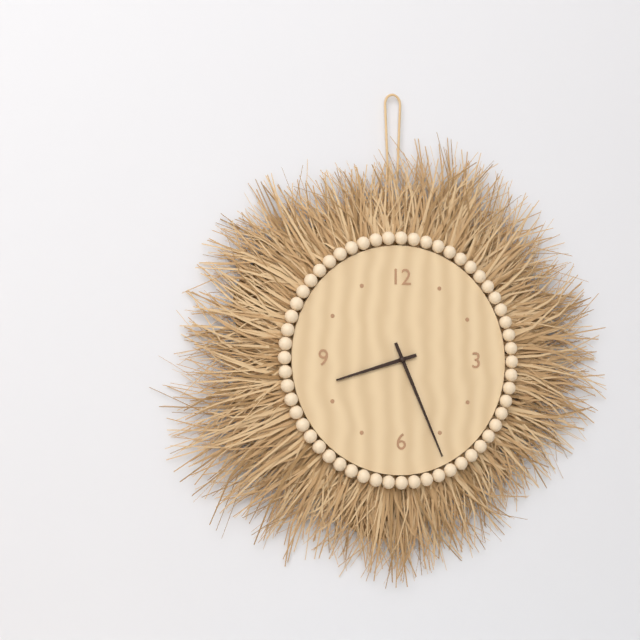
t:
8:26
